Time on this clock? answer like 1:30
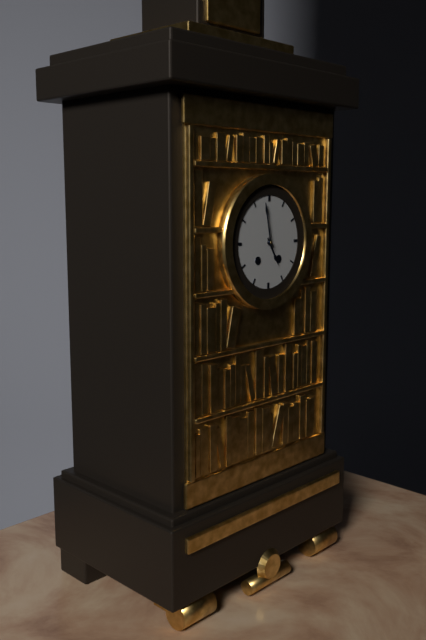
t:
4:58
